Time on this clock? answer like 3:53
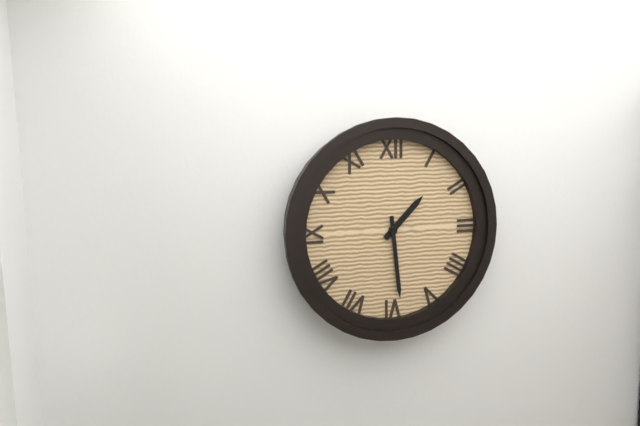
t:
1:29
